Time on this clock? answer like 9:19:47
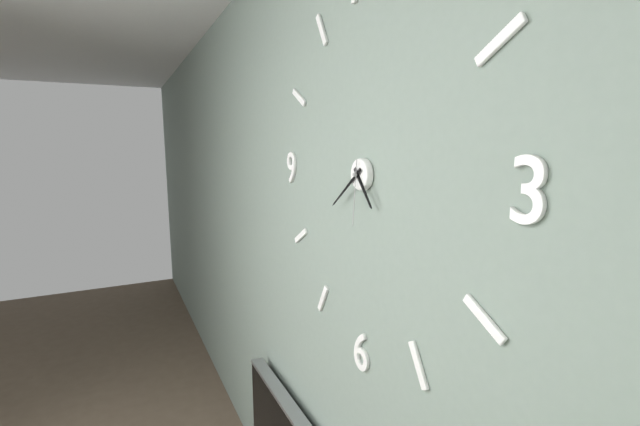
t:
4:39:31
